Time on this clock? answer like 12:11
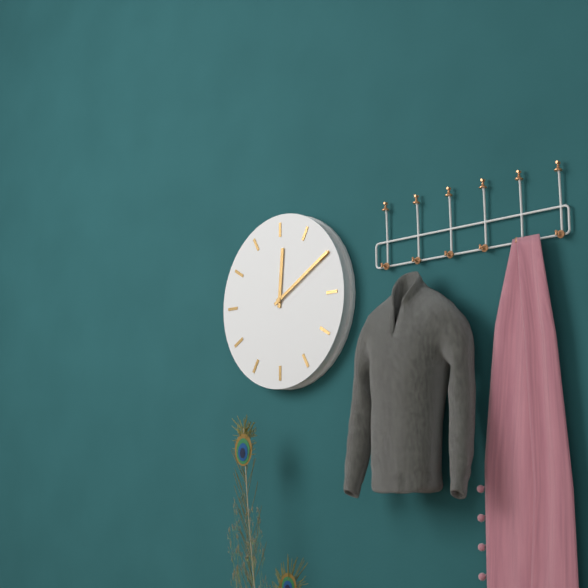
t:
12:10
